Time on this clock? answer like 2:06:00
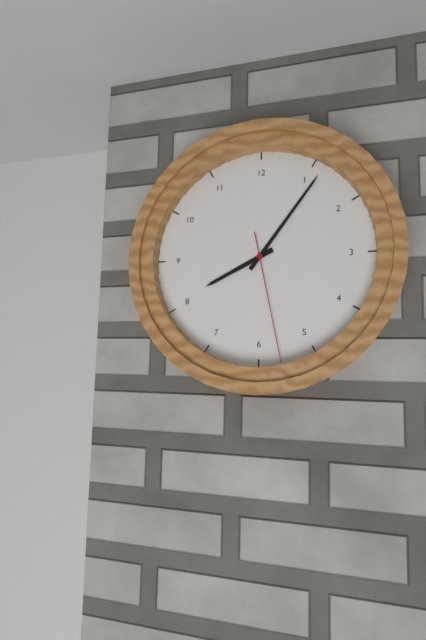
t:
8:06:28
